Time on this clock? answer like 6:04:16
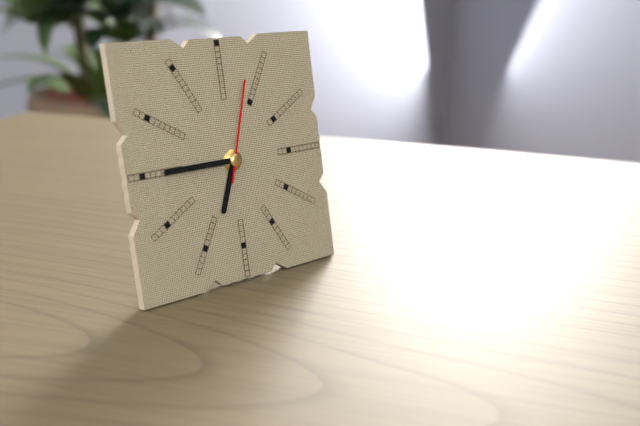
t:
6:45:03
